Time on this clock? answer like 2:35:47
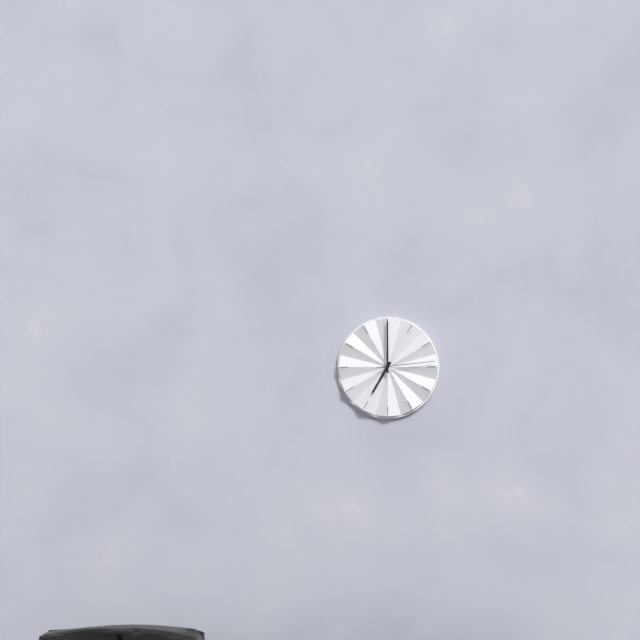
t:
7:00:14
